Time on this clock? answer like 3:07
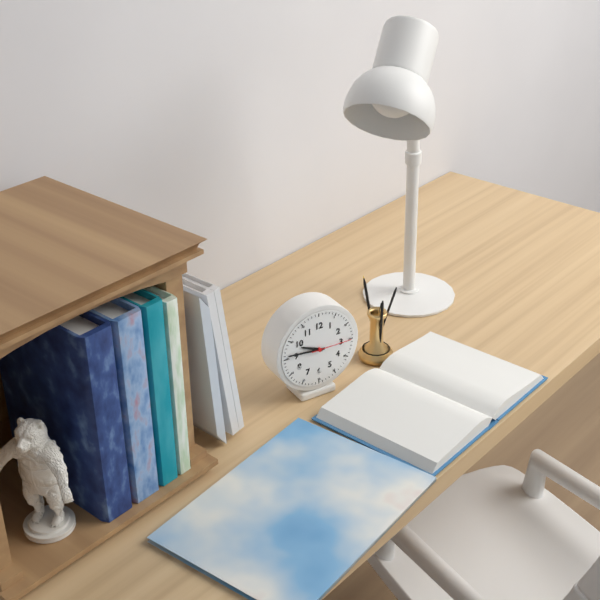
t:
9:46
